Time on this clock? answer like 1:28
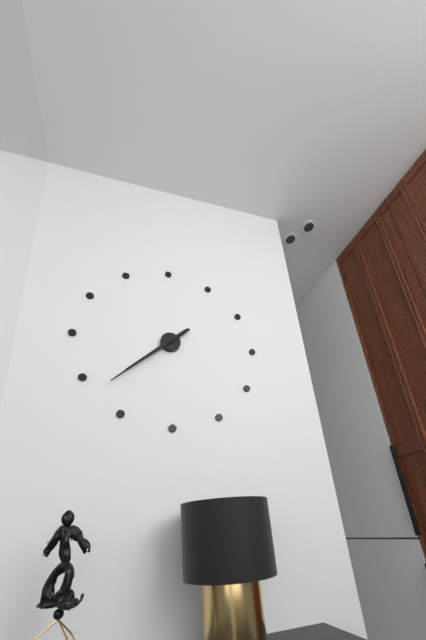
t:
7:38
